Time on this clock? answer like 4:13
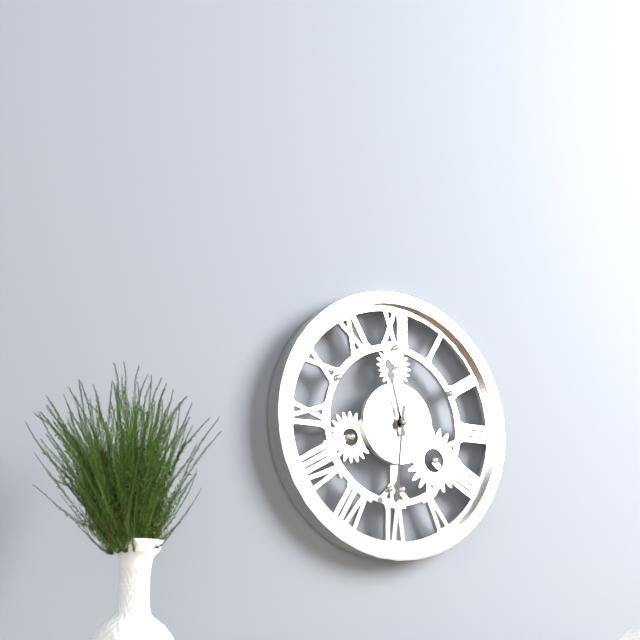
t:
11:31
